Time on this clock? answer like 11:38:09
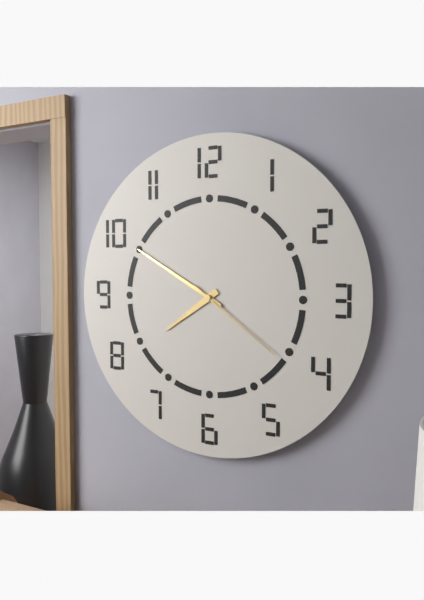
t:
7:50:21
